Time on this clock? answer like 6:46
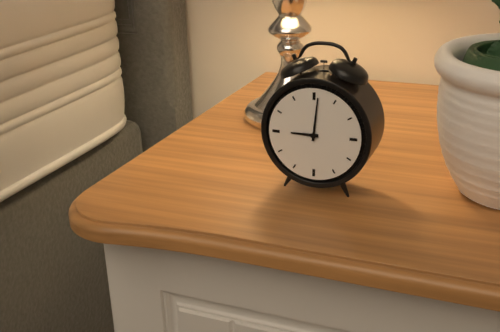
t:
9:01
